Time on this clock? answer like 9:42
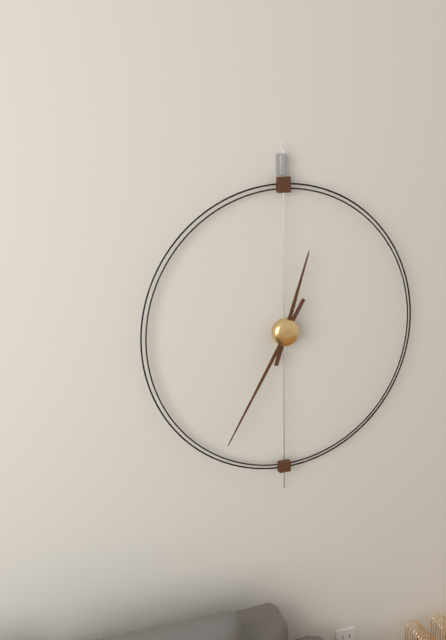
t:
12:35
